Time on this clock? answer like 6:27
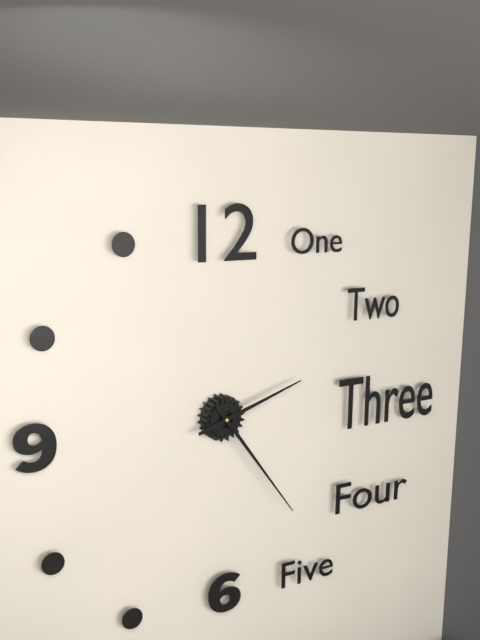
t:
2:24
